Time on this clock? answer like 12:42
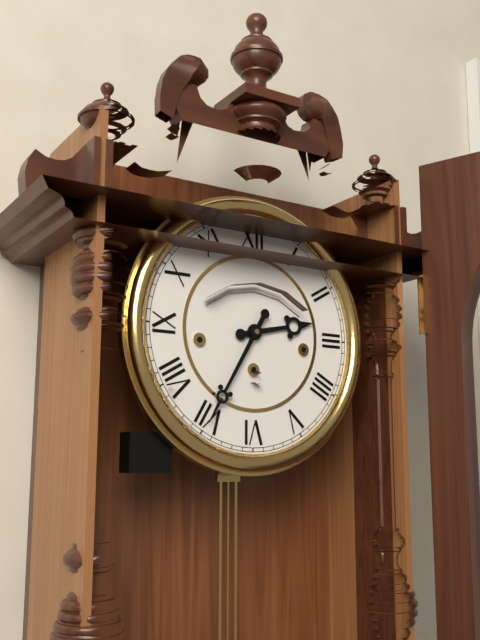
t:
2:35
